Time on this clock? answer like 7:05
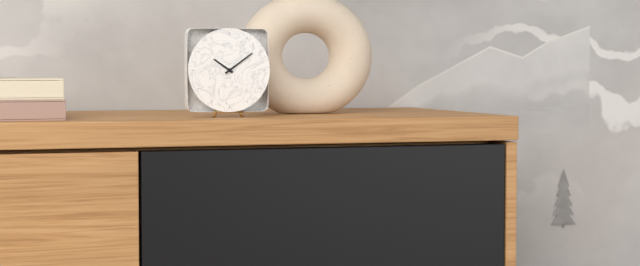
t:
10:09
